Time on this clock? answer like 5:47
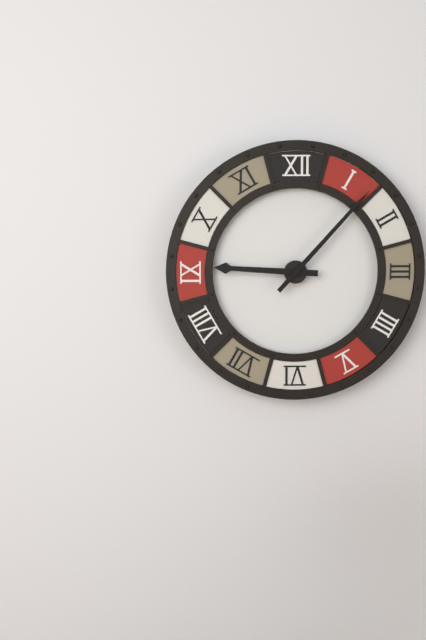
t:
9:07
